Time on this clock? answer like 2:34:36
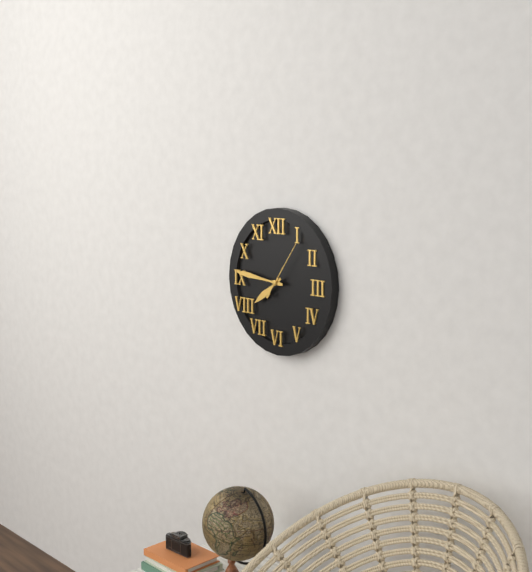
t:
7:46:06
